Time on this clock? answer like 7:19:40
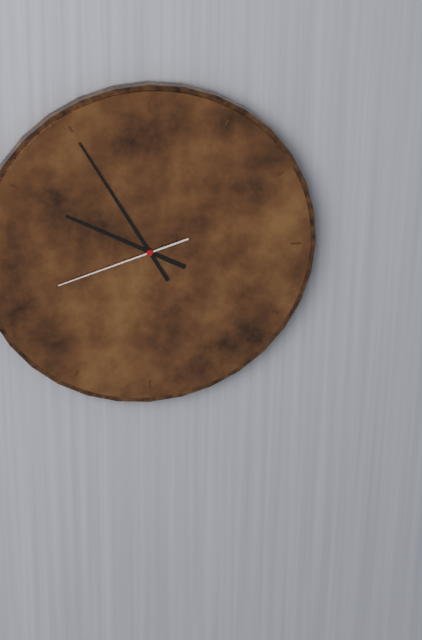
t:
9:55:42
